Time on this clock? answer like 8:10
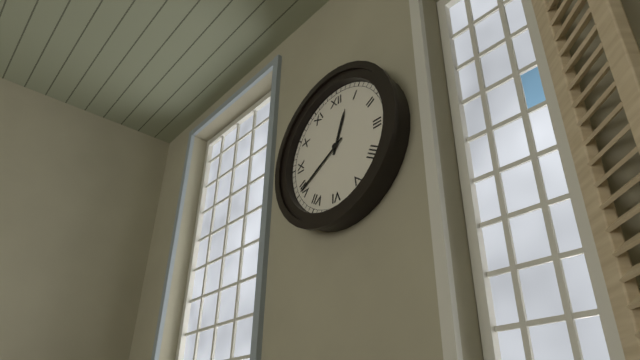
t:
12:40
